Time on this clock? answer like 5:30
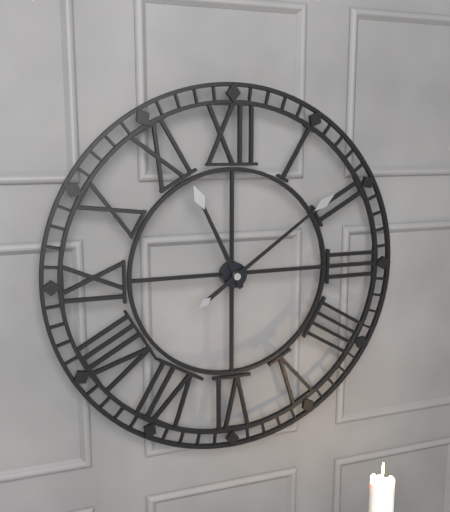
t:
11:09
